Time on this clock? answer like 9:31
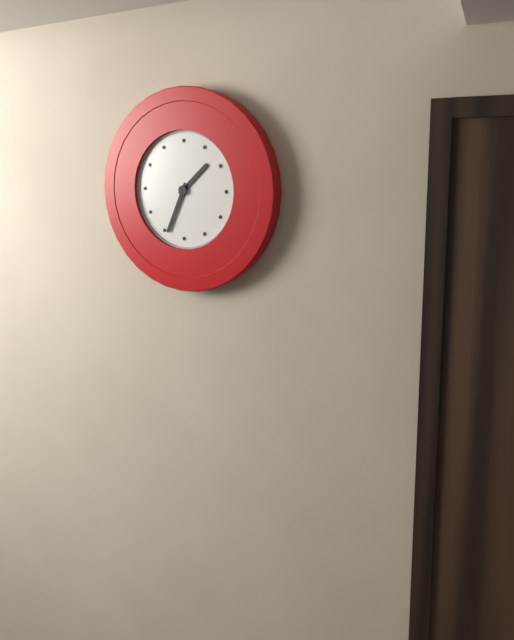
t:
1:34
